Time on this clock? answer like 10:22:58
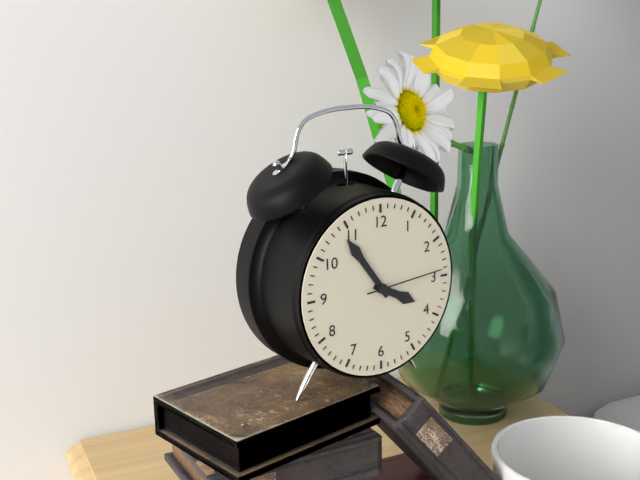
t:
3:54:14
